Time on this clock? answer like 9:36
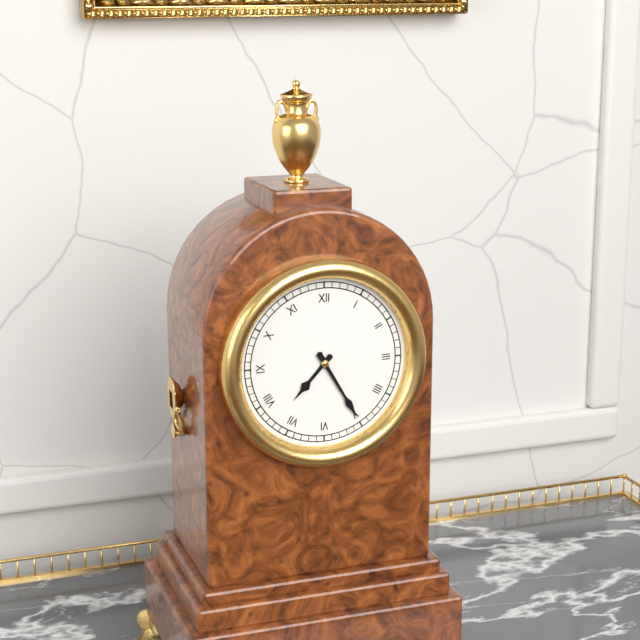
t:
7:25
